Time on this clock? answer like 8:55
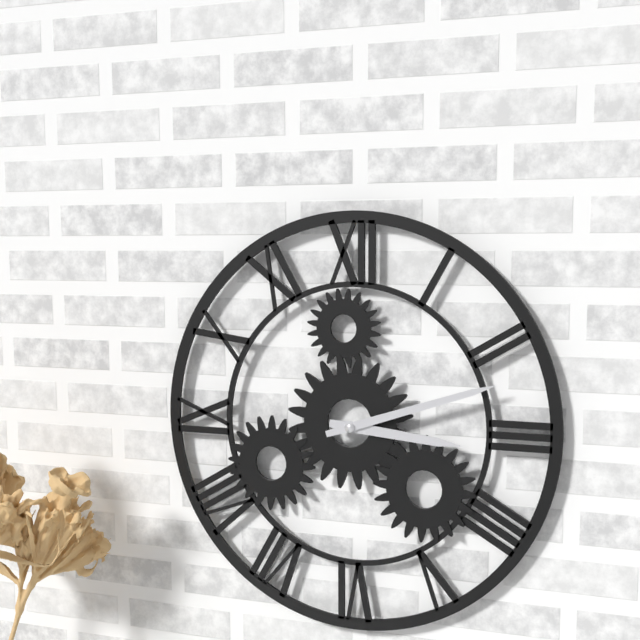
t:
3:12
